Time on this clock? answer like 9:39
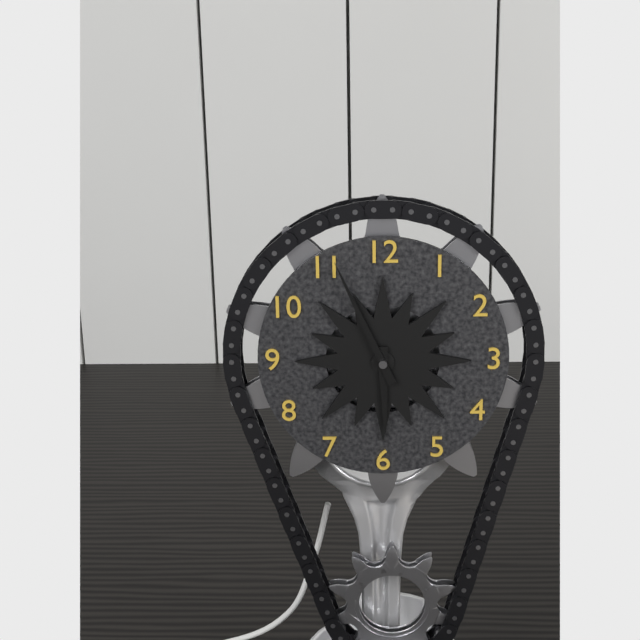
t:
5:56
